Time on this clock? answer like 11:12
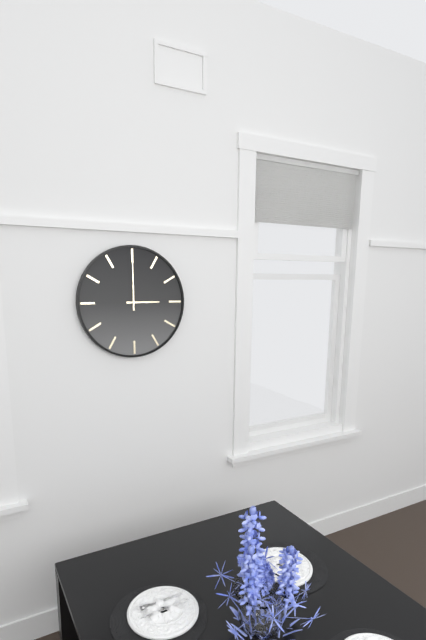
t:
3:00
